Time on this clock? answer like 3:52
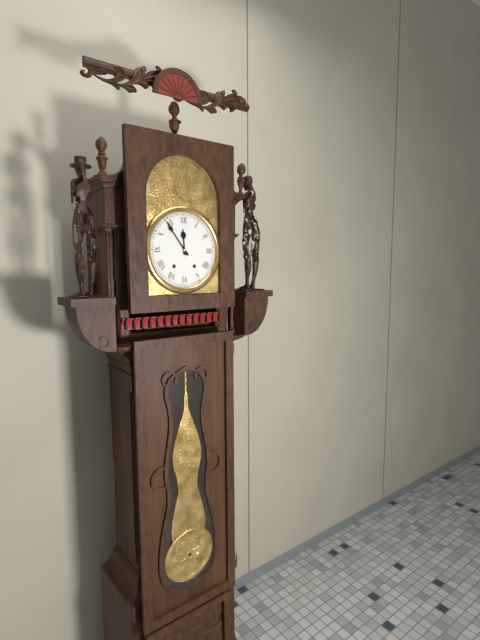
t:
11:54
